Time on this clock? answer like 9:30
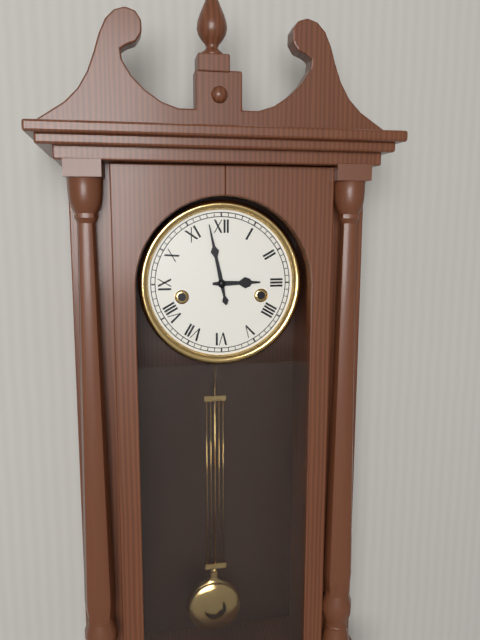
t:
2:58
